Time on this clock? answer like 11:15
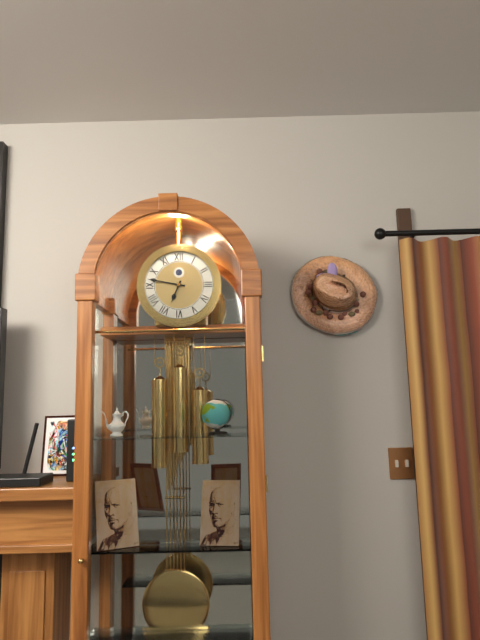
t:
6:47
